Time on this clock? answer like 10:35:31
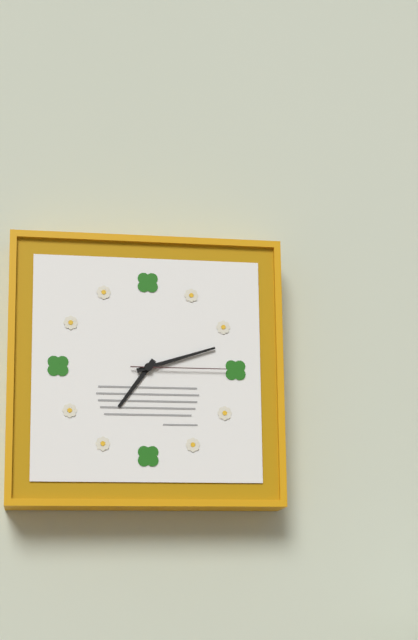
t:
7:12:15
